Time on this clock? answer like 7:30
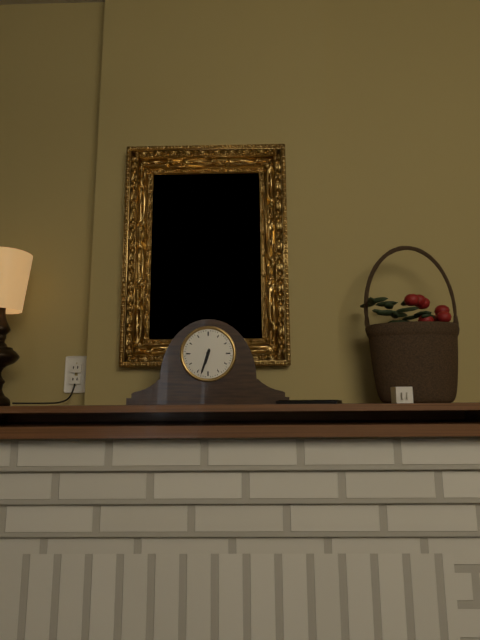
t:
6:33
